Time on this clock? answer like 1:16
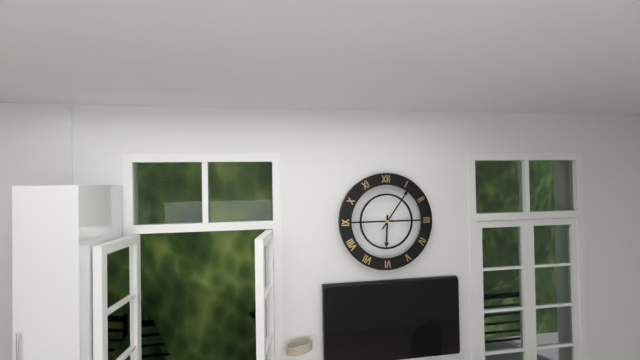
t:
6:06
